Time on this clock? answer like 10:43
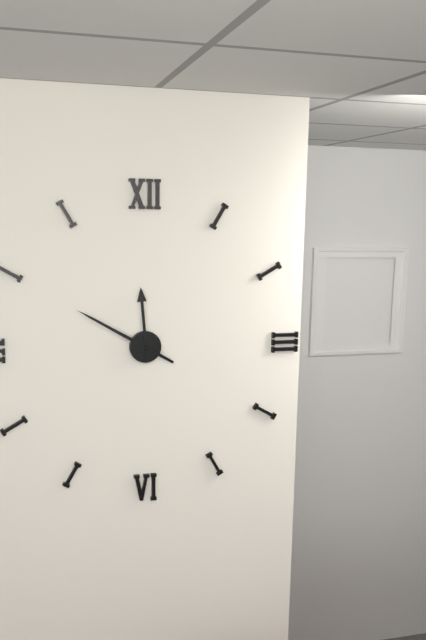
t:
11:50
